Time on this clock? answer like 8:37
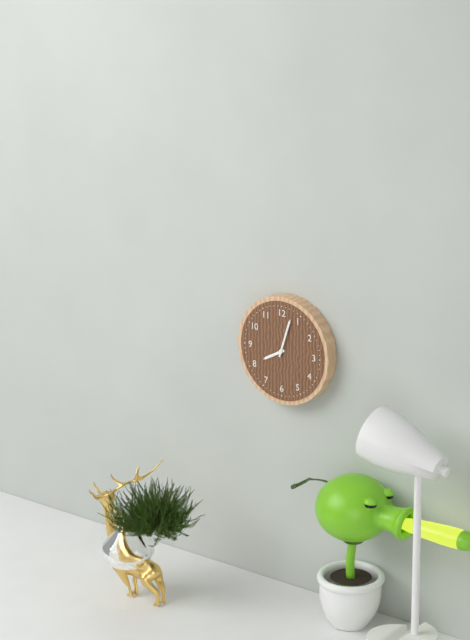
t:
8:03
